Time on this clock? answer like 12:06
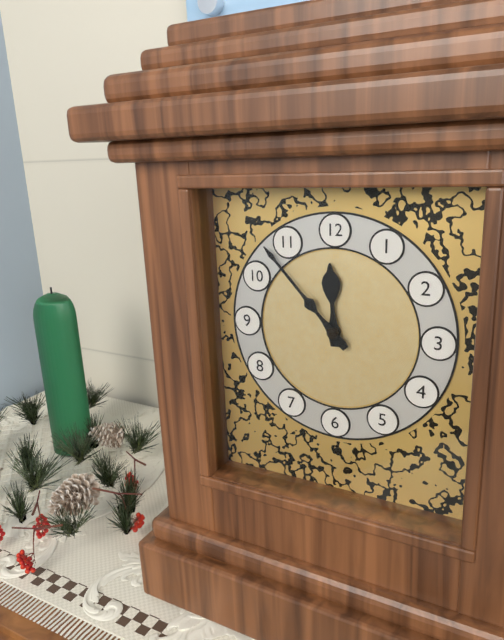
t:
11:53
